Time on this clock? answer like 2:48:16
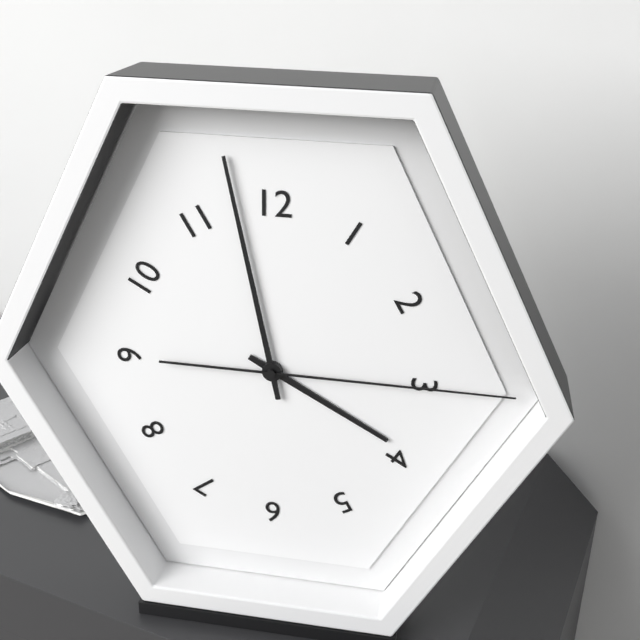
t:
3:58:15
